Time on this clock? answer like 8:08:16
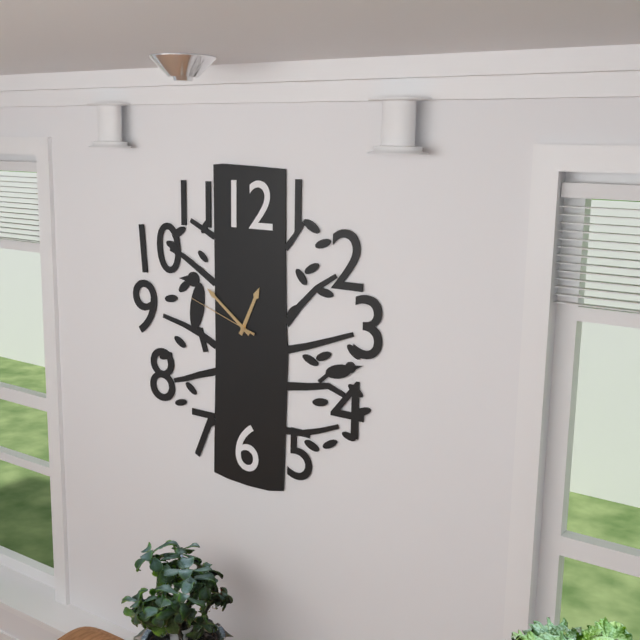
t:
12:51:48
